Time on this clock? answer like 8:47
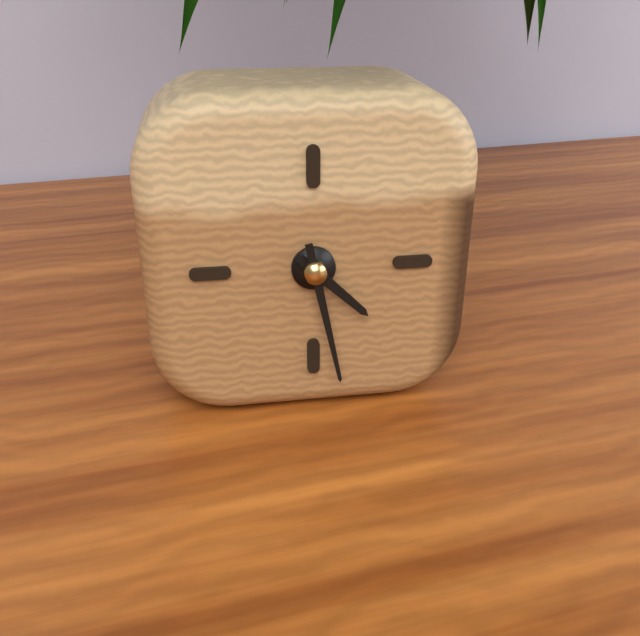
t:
4:28
